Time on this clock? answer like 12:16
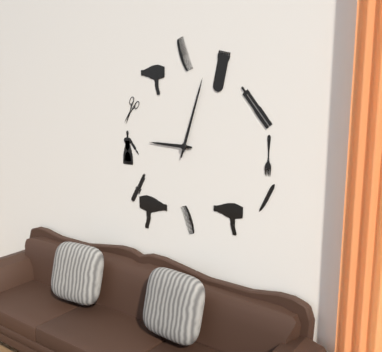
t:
9:03
